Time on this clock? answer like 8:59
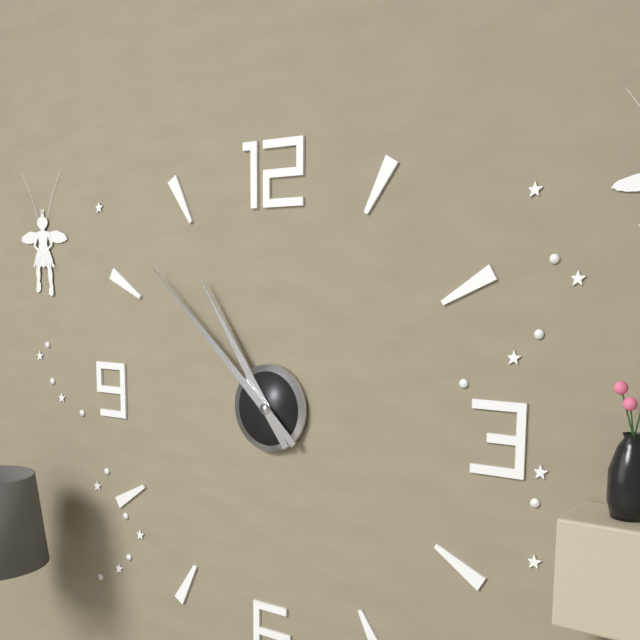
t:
10:52
